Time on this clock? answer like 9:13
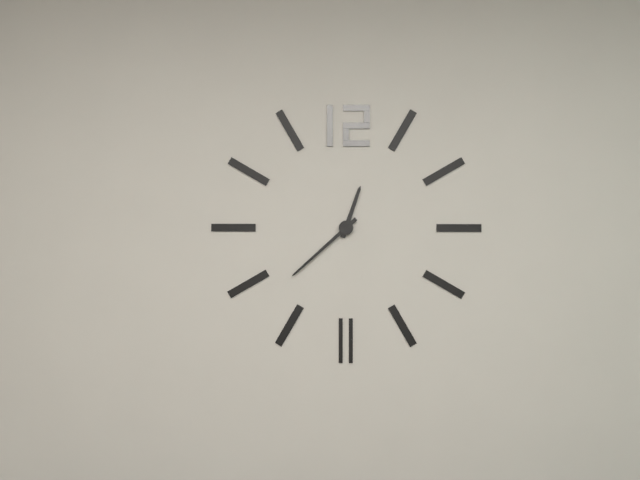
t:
12:38
